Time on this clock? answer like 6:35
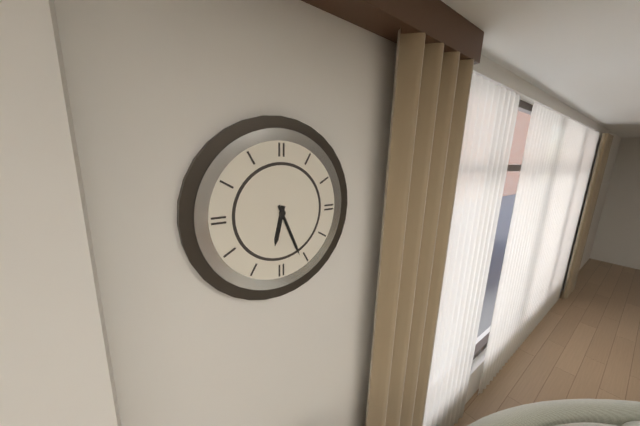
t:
6:26
